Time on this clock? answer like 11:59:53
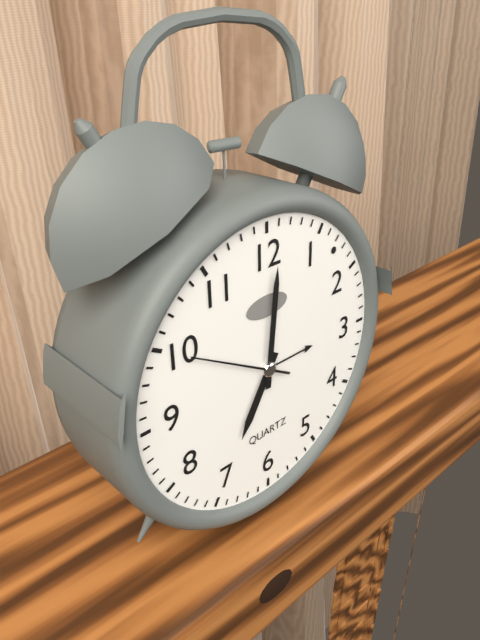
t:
7:01:50
